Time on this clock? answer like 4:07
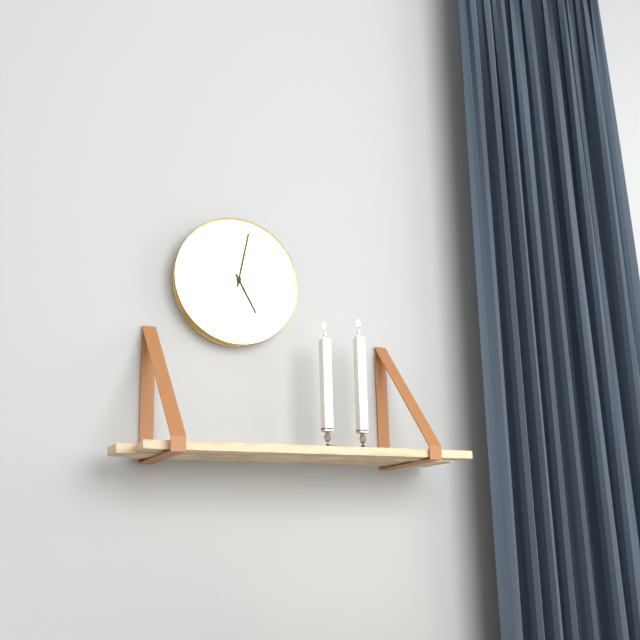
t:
5:02
